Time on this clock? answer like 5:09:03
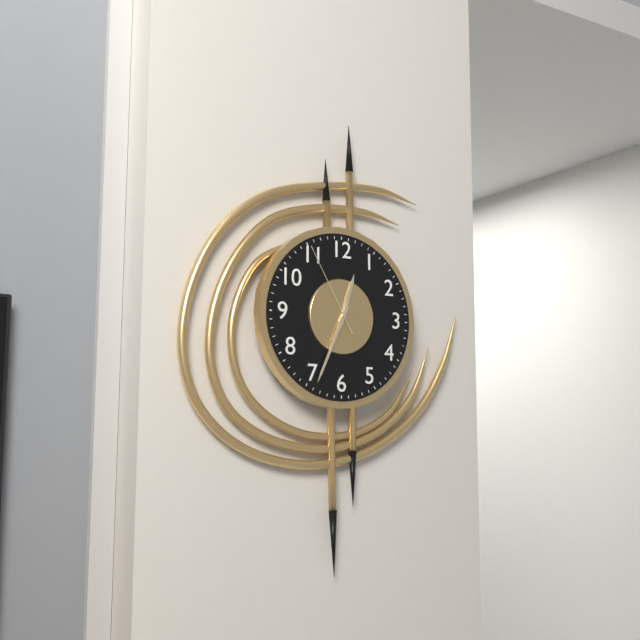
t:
12:34:55
